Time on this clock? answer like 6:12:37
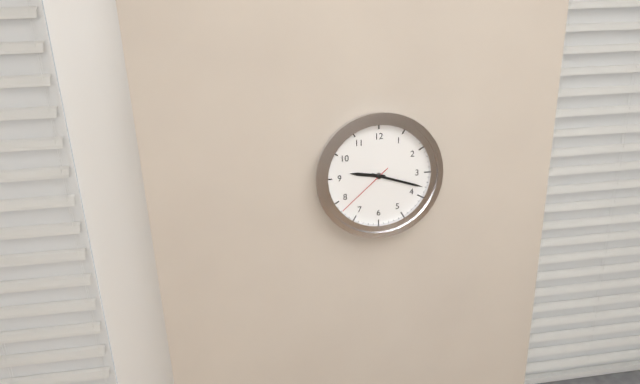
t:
9:18:38
